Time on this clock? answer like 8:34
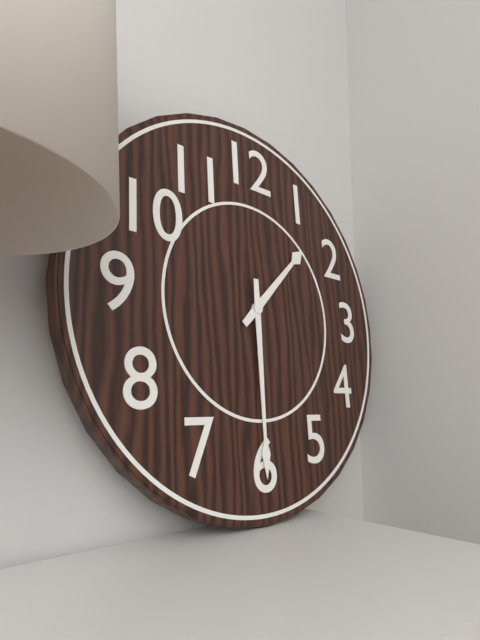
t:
1:30
